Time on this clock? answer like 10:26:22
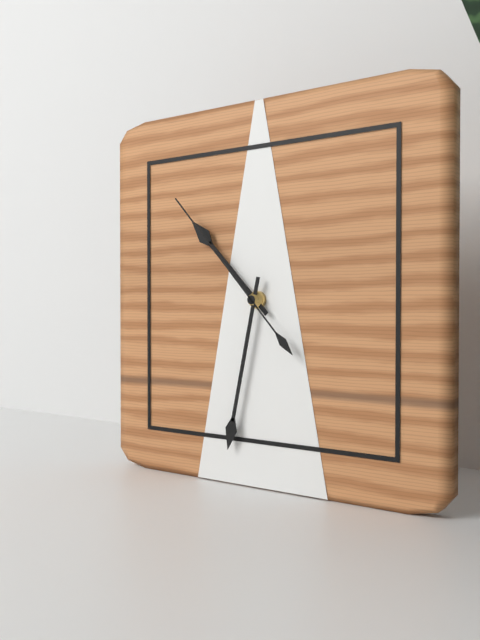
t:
10:32:53
